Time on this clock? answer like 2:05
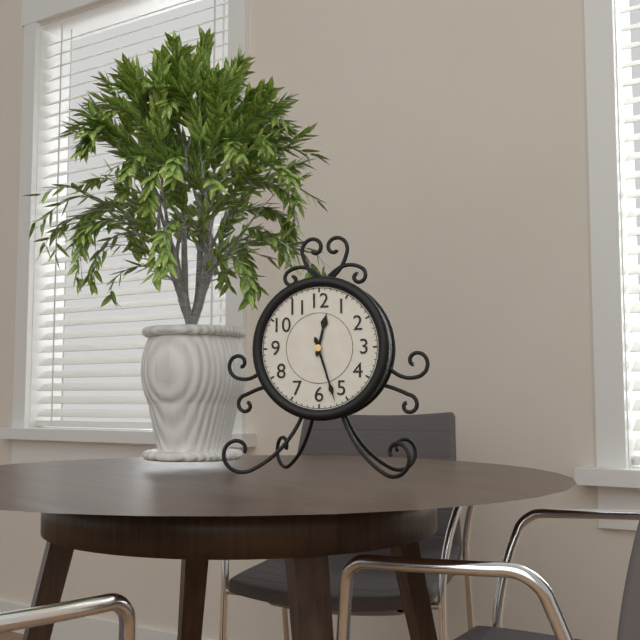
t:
12:27
